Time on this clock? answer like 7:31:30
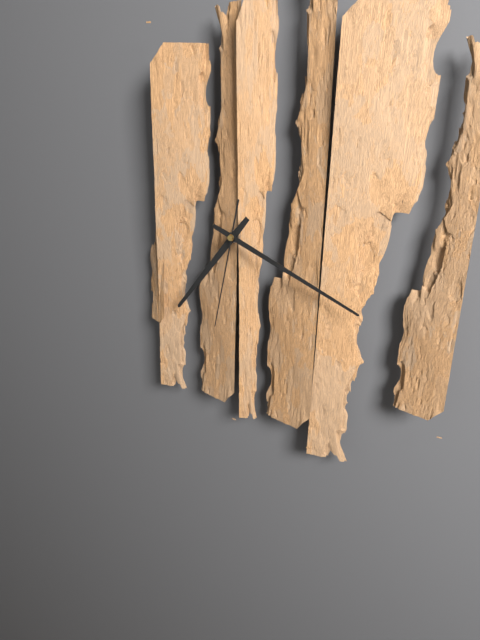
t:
7:19:32
